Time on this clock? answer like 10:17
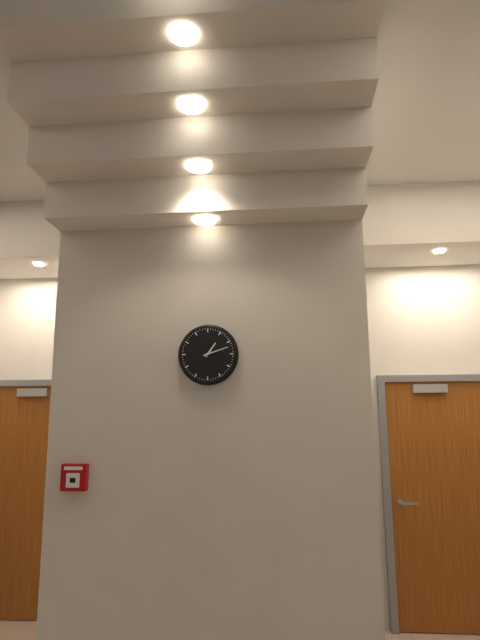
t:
1:12
